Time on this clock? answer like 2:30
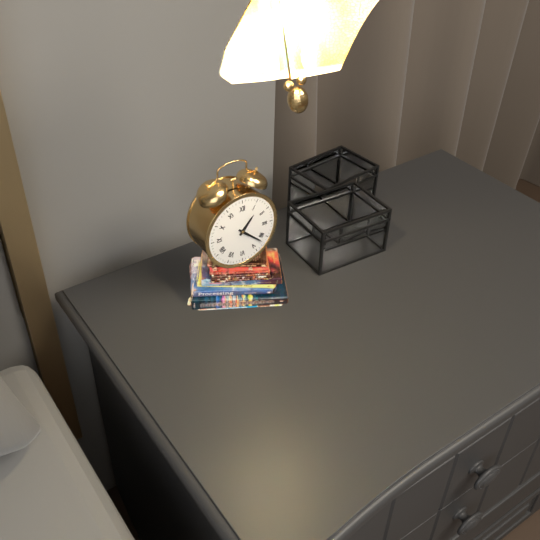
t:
1:22
